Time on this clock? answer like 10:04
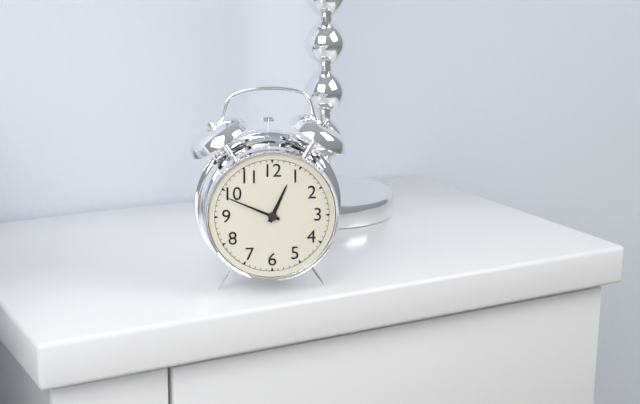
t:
12:49
